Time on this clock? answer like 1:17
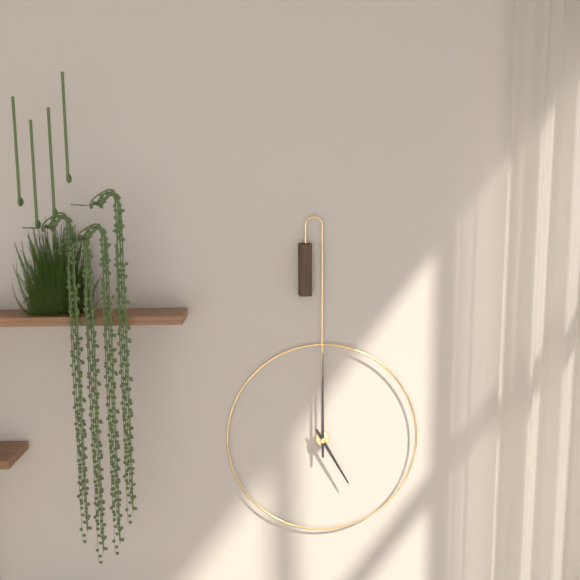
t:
5:00
